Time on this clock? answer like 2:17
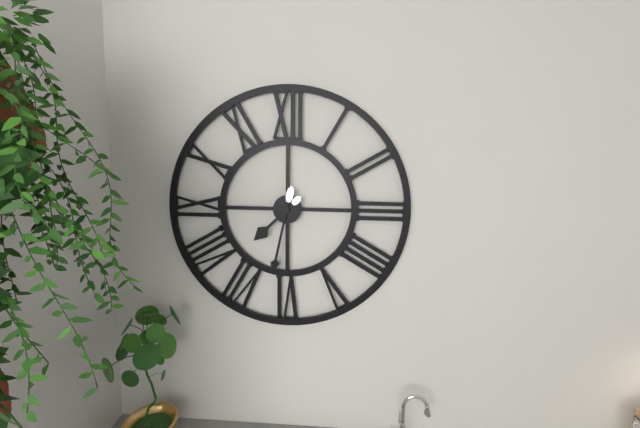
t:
7:32
